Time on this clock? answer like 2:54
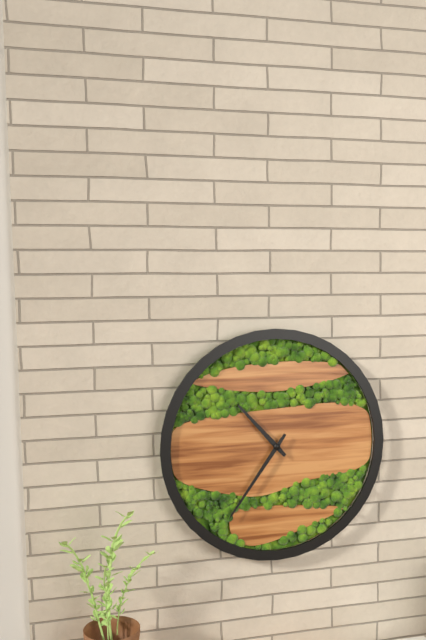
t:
10:36
